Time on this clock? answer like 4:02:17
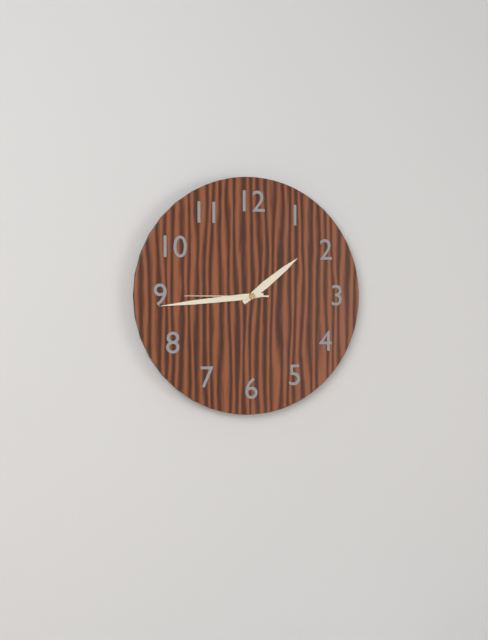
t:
1:44:45
